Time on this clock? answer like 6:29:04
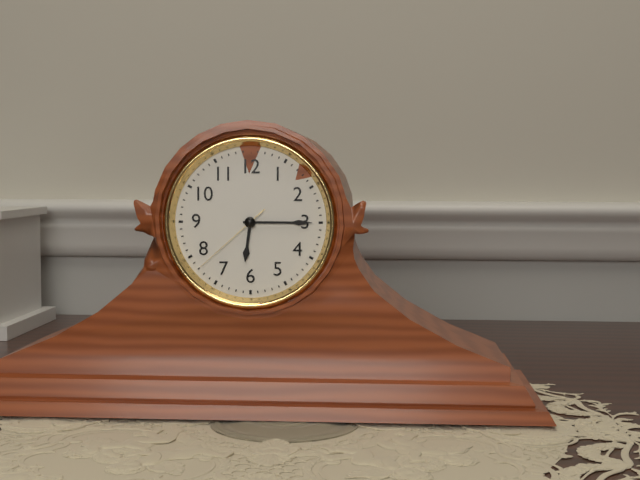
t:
6:15:38
